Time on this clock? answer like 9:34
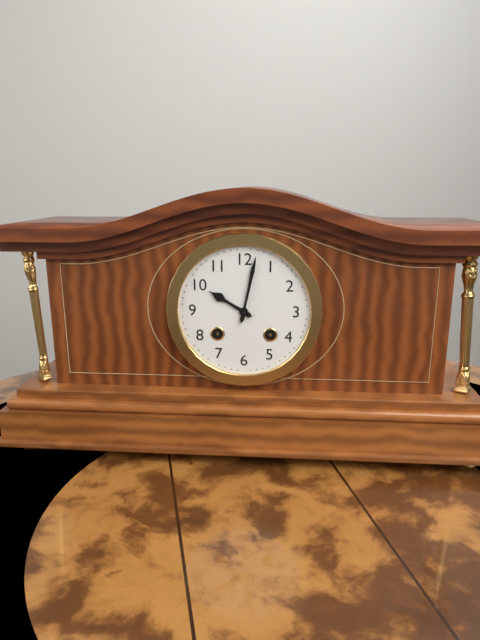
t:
10:02
